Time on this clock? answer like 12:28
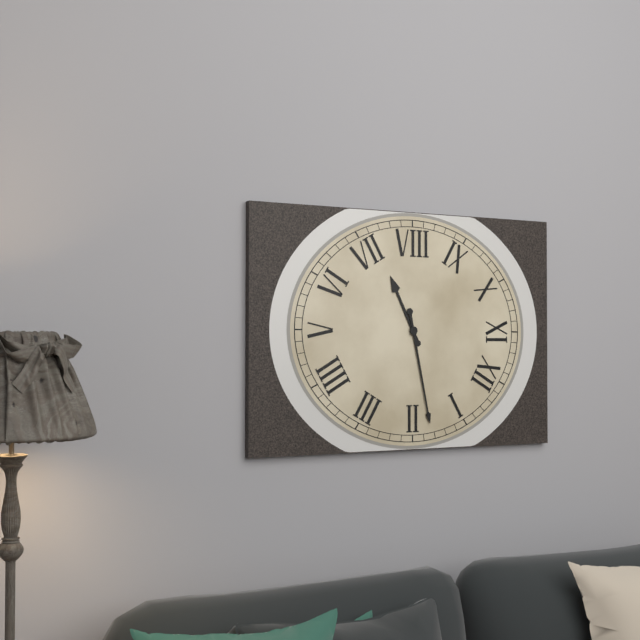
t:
7:08
